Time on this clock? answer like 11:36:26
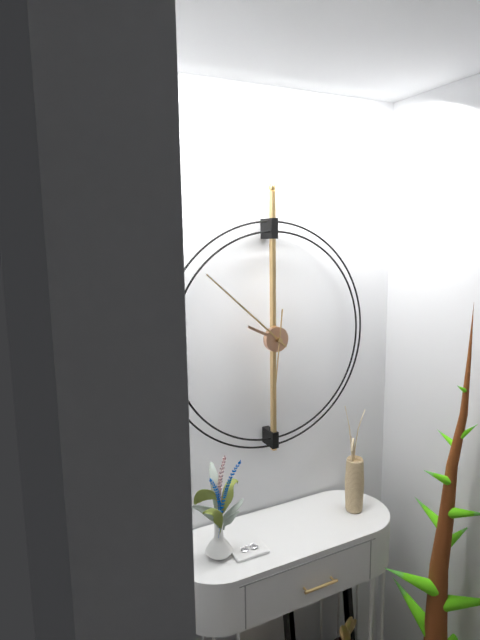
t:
9:52:31
